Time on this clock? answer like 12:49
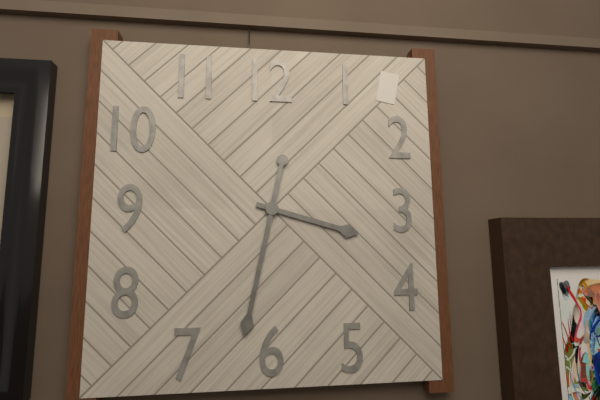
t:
3:32
